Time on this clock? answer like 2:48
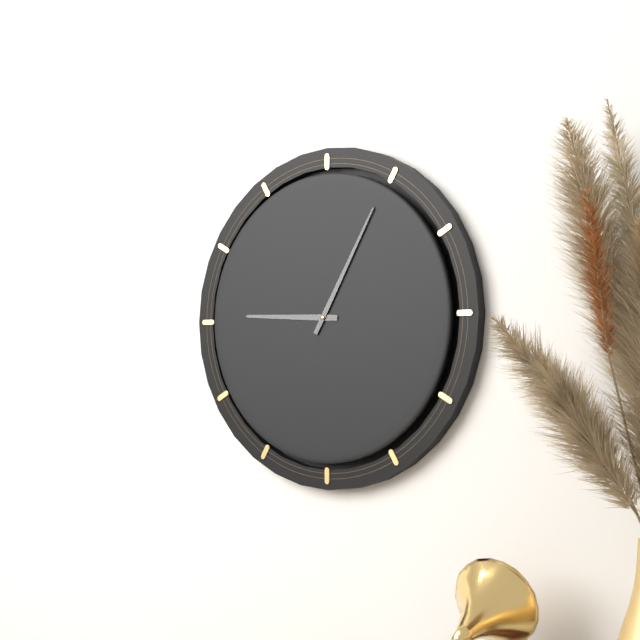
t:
9:05
